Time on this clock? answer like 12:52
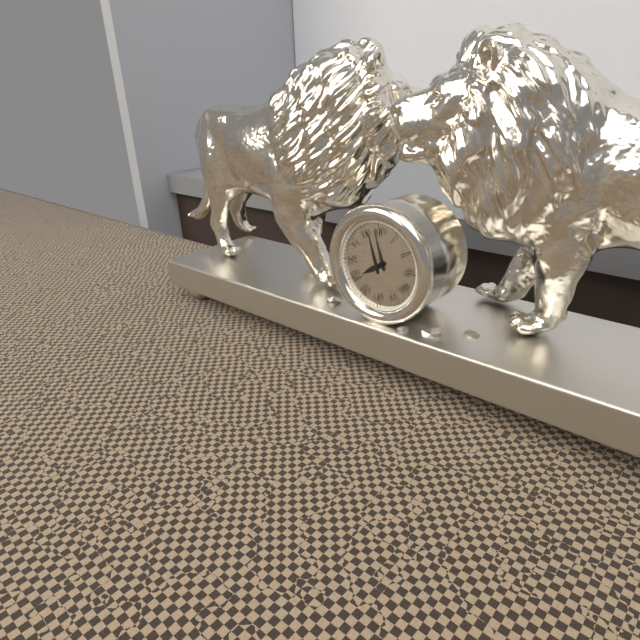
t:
7:57
